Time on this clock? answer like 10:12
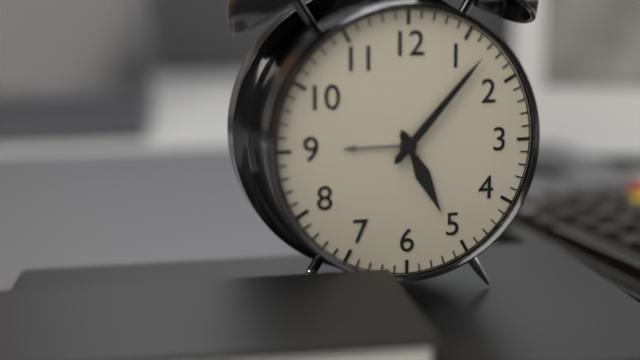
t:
5:07
